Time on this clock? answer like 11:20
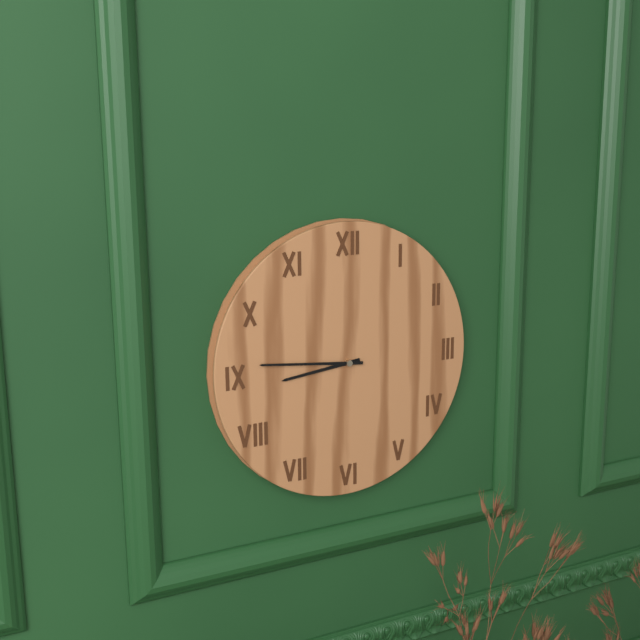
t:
8:46
